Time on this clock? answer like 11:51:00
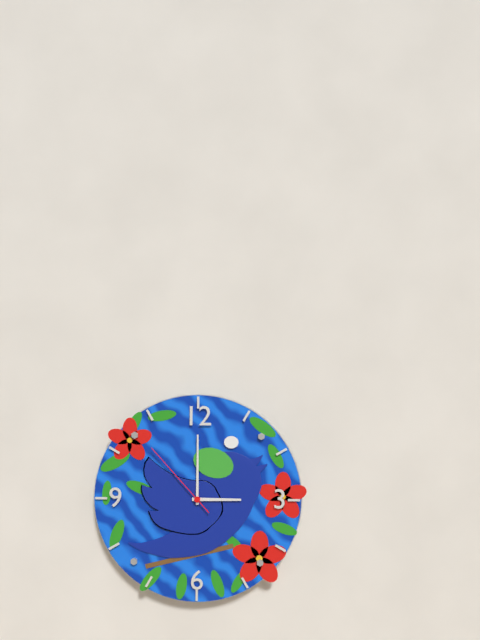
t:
3:00:53
